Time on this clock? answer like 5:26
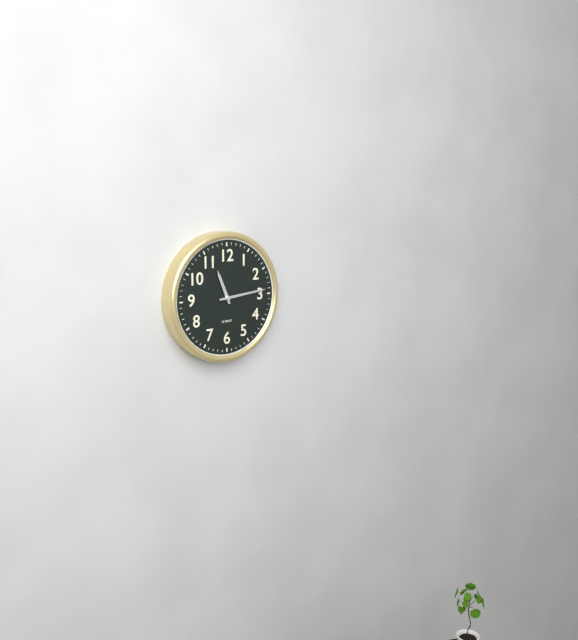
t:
11:14
